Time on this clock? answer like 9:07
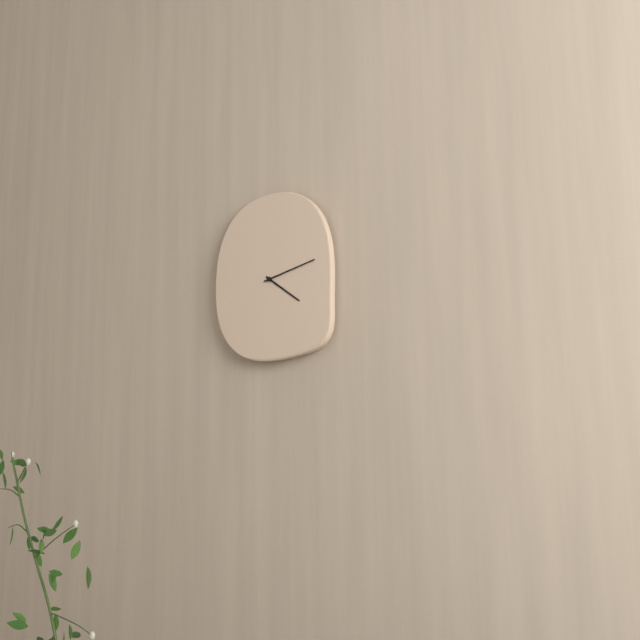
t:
4:13
